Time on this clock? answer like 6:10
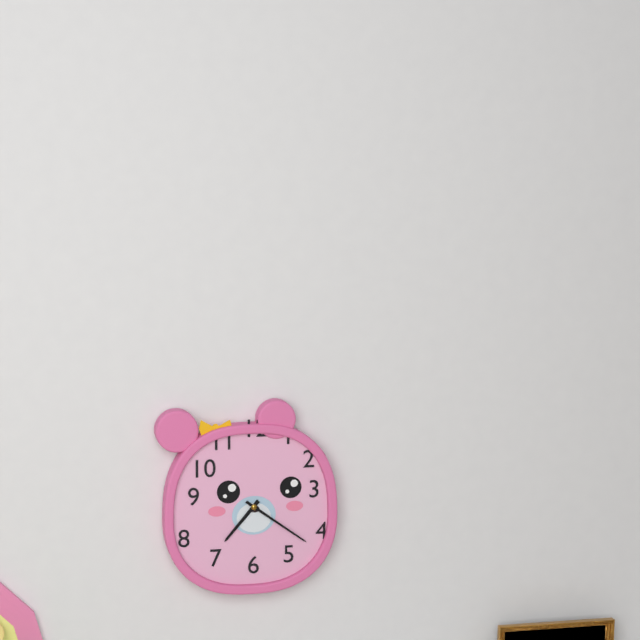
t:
7:21
